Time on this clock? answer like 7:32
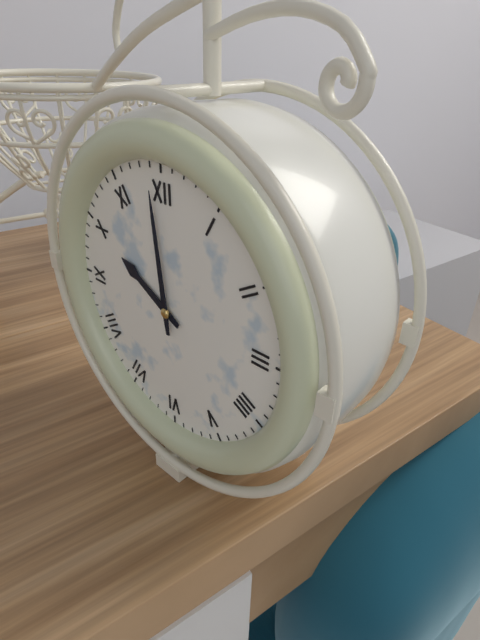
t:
9:59
